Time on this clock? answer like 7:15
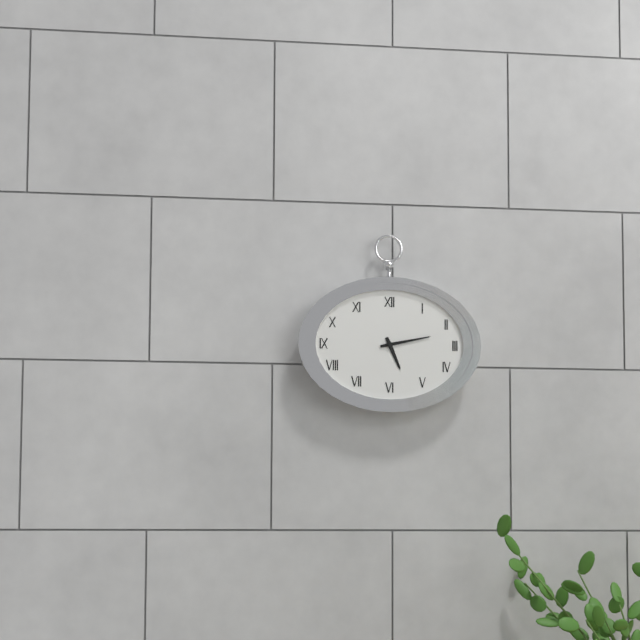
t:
5:13
